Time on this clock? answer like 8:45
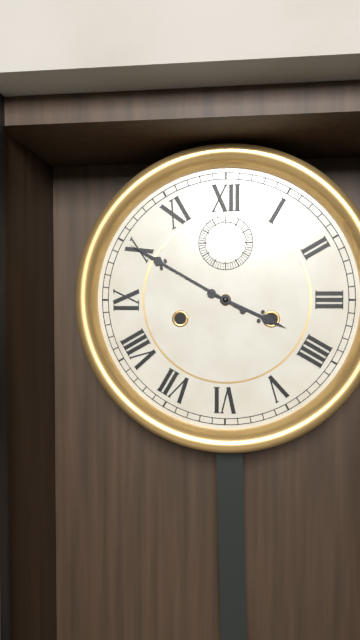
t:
3:50
